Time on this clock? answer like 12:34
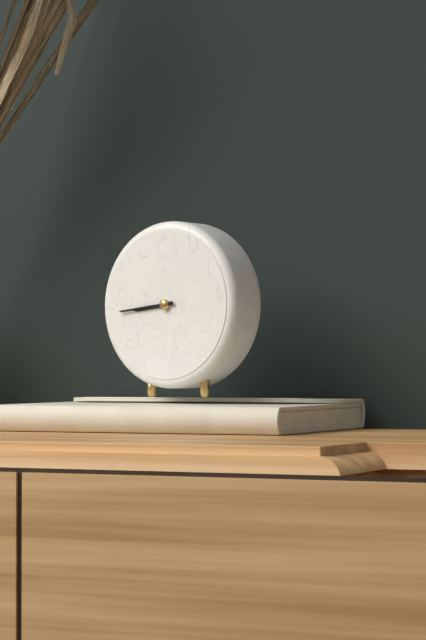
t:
8:44
